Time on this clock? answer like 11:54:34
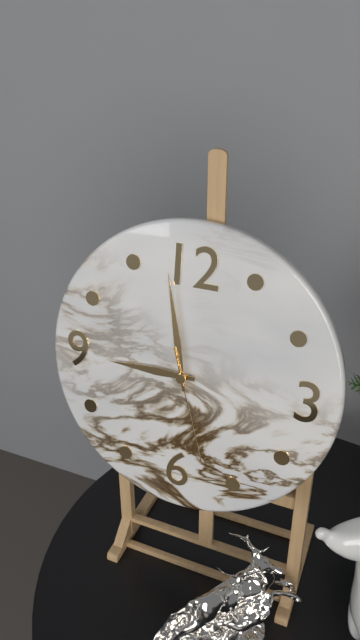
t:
8:58:27
